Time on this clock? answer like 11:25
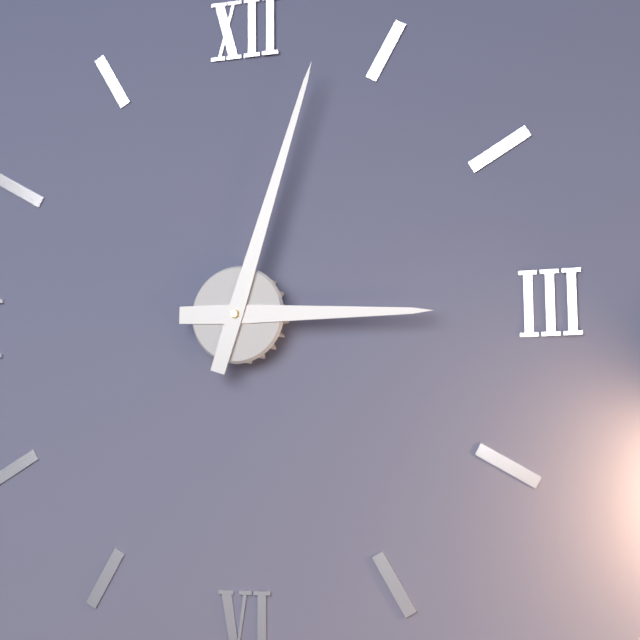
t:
3:03
